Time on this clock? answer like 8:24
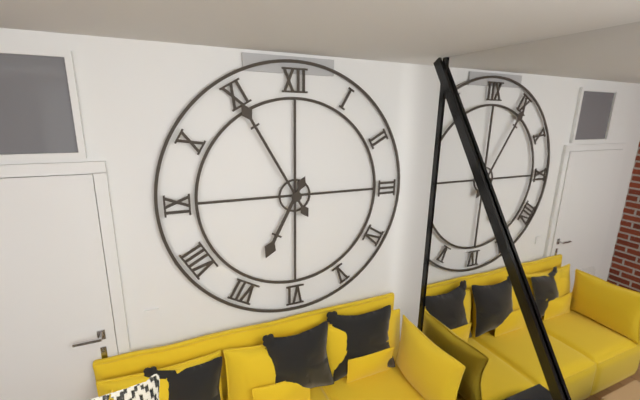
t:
6:55
